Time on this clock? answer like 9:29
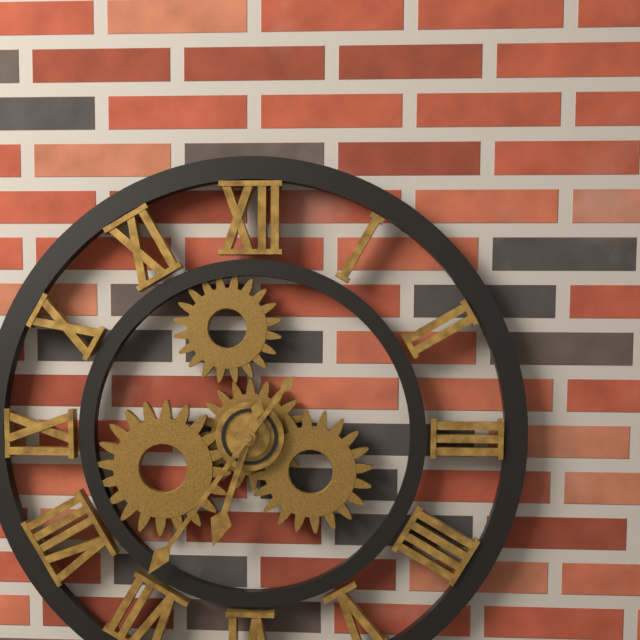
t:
6:36
